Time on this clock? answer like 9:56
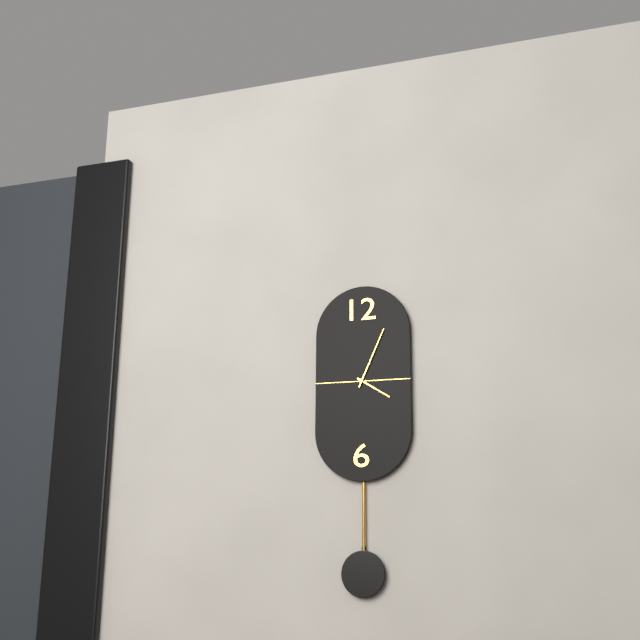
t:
4:04
